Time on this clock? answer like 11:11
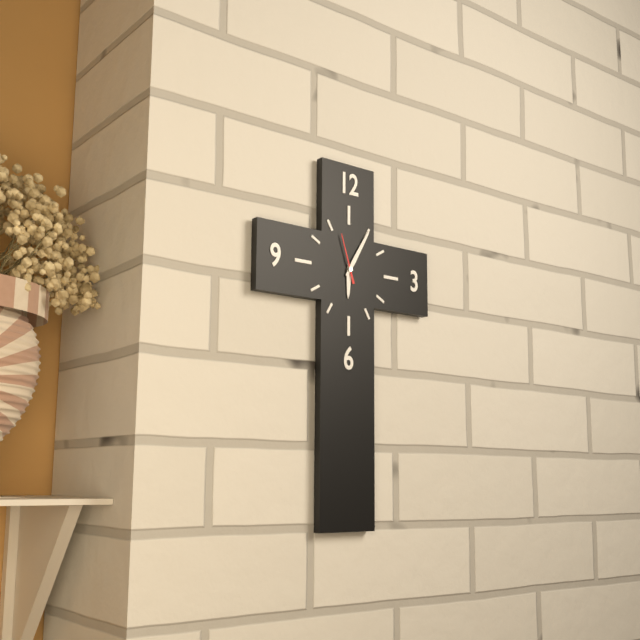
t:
6:05
